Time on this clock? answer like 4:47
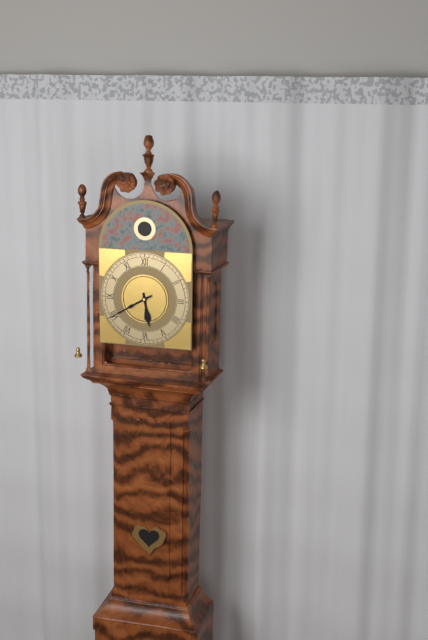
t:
5:40
